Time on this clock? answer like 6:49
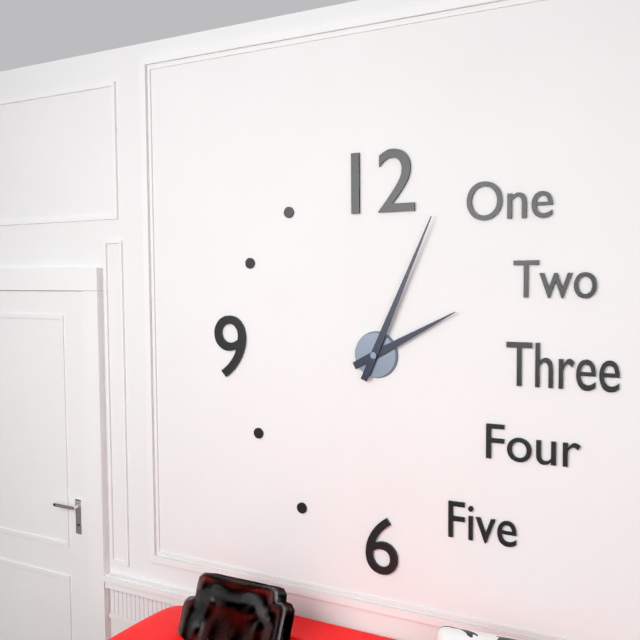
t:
2:04
